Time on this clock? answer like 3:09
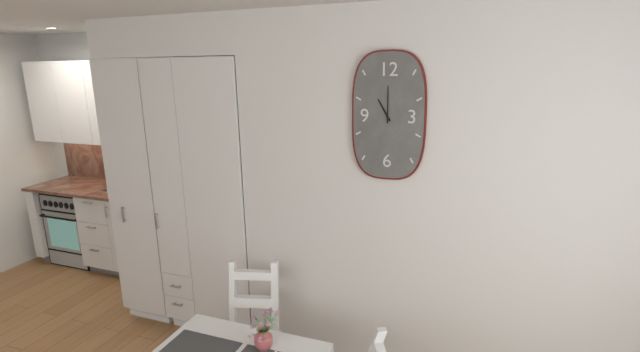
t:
11:00
